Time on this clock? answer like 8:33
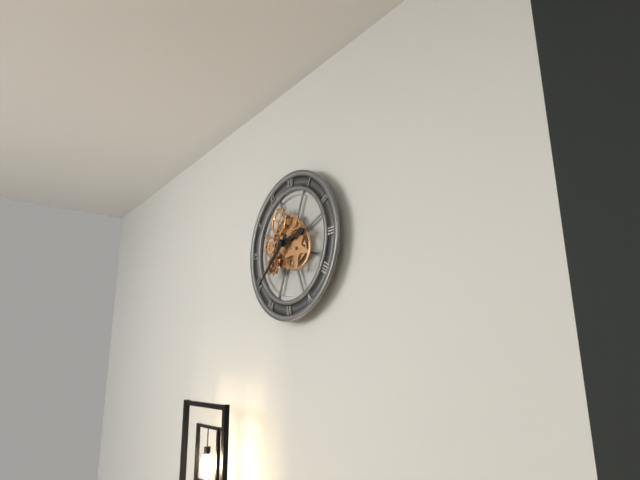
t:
2:38
